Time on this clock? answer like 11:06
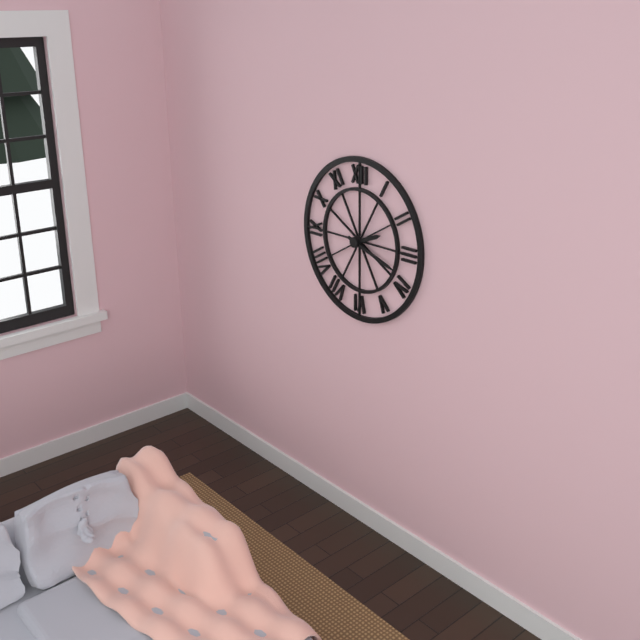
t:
2:18
